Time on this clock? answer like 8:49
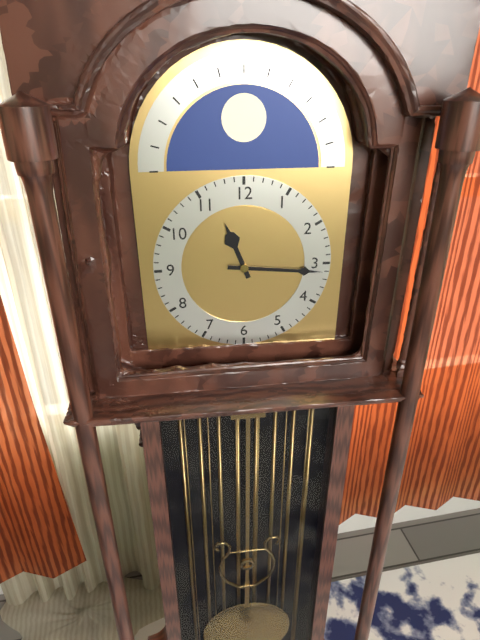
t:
11:16
